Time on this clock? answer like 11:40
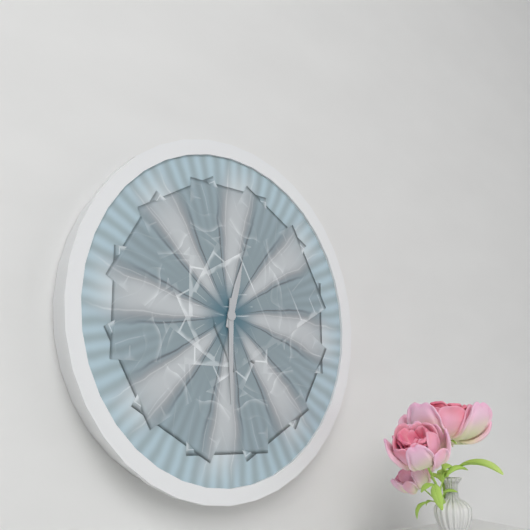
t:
12:30
